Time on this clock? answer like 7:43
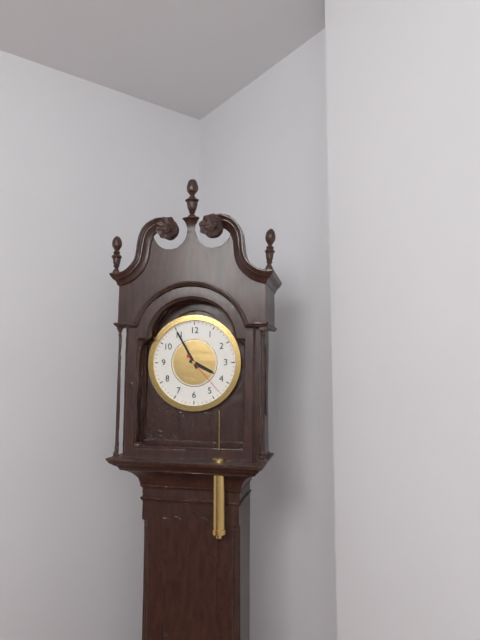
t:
3:55
